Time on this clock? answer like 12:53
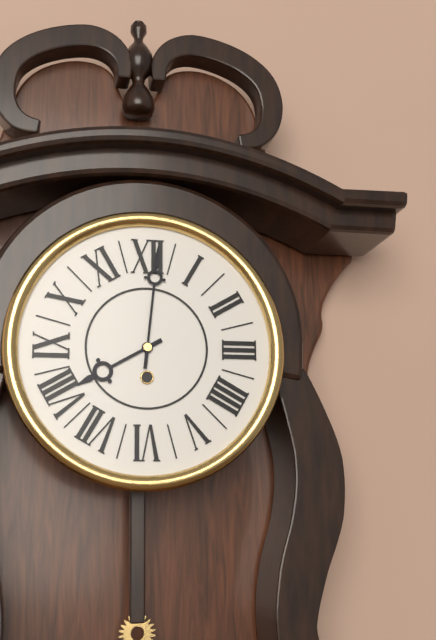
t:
8:01
